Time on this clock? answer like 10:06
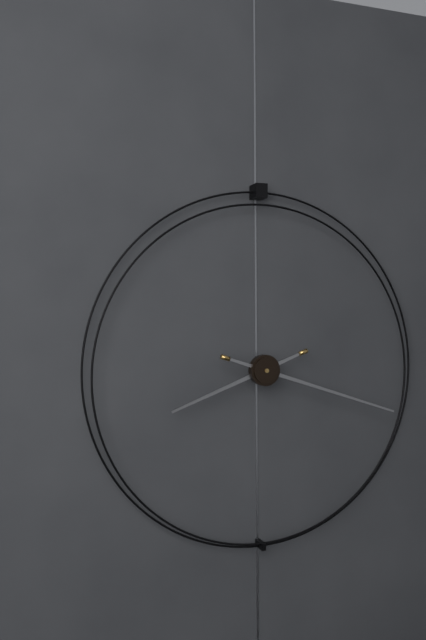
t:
8:18
